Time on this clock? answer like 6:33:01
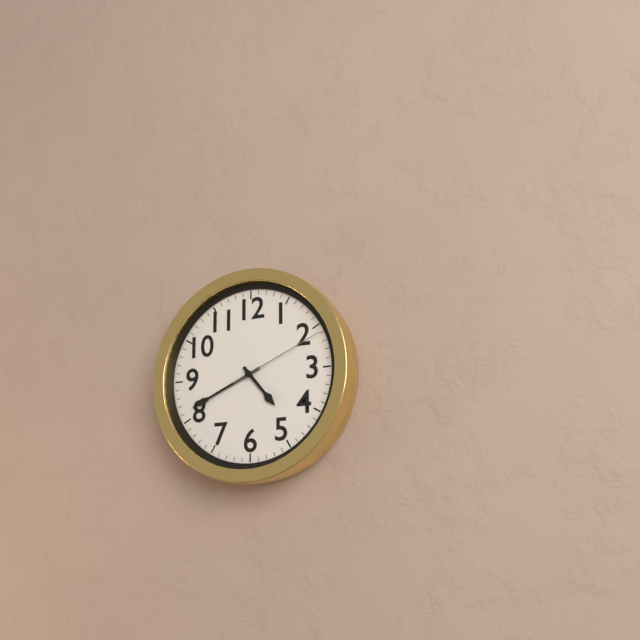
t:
4:41:11
